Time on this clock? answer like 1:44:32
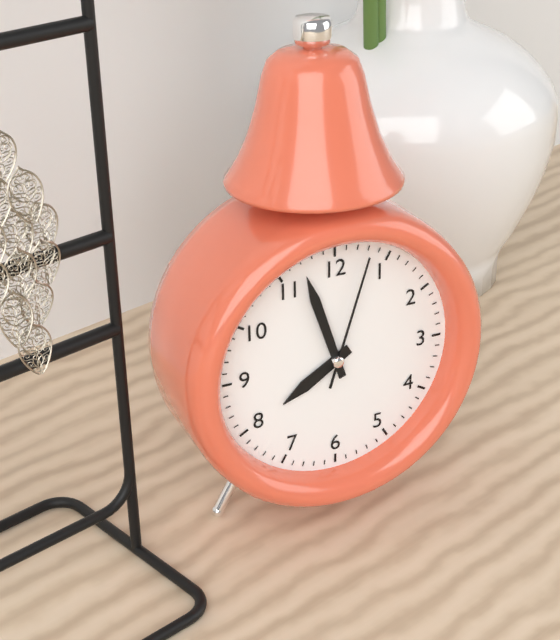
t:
7:57:03
